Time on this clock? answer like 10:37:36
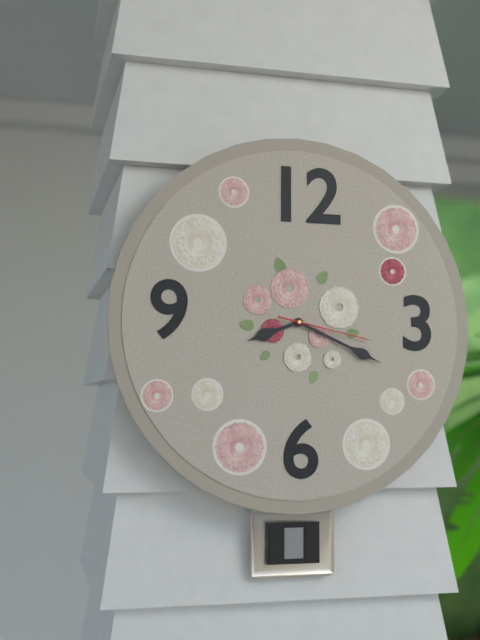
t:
8:19:17
